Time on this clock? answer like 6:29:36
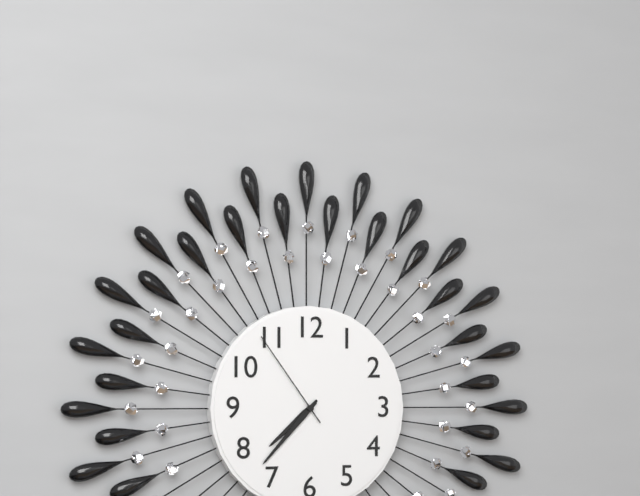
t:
7:37:54
